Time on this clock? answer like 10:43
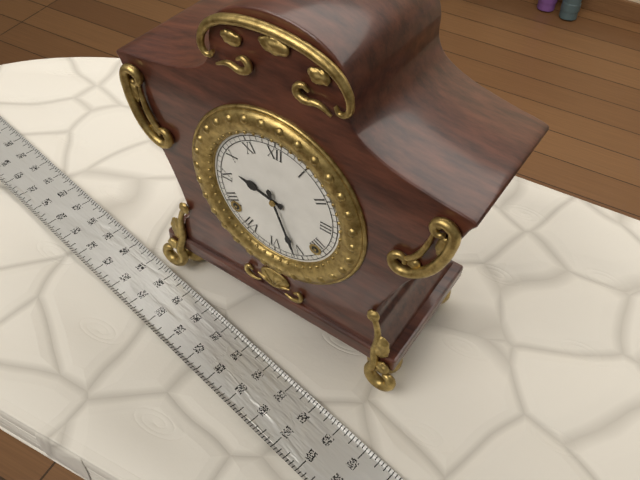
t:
9:26
